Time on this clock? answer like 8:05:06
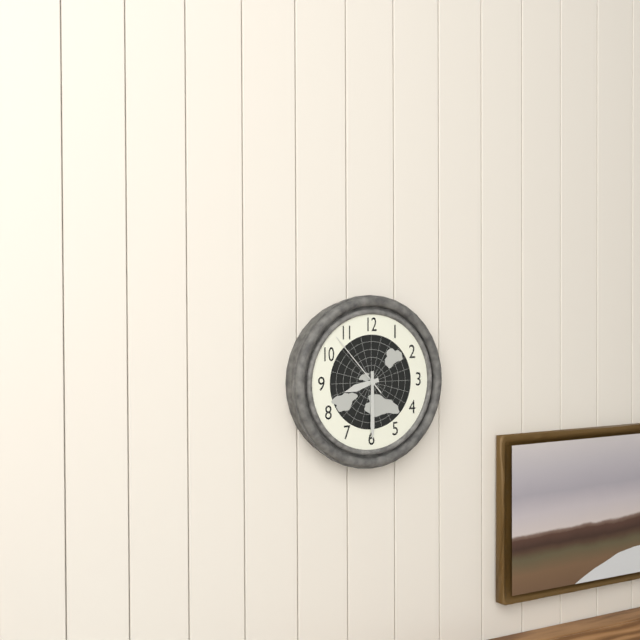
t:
8:30:53
